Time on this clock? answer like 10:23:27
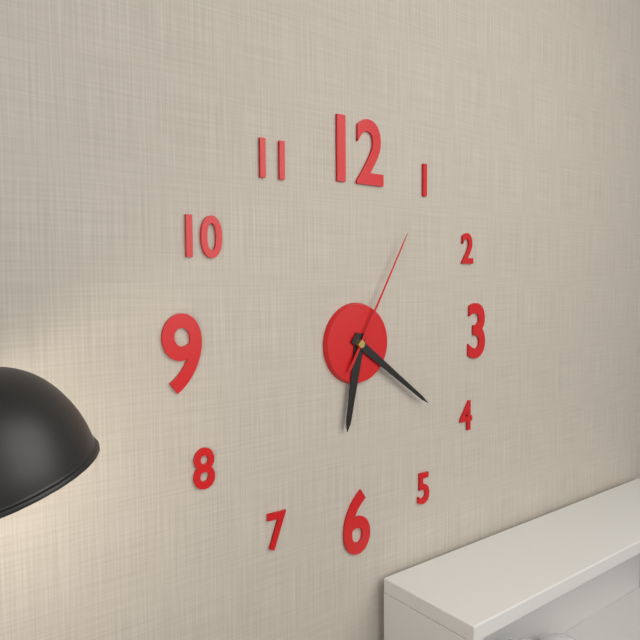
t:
6:21:05
